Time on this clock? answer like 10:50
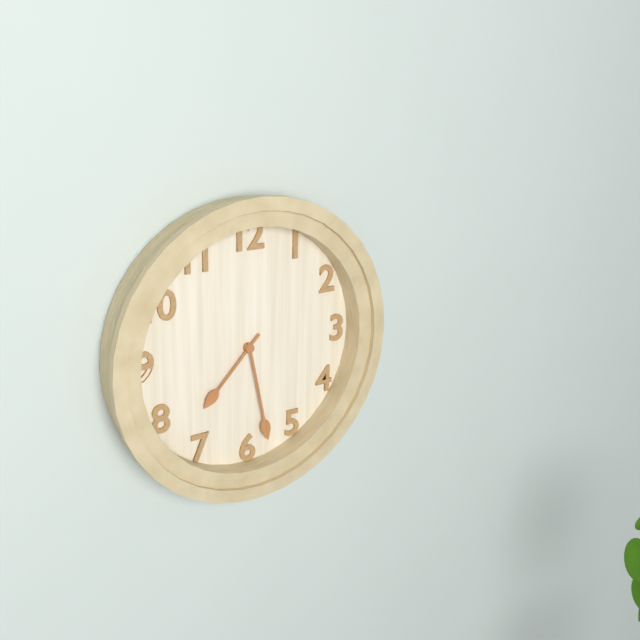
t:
7:28
